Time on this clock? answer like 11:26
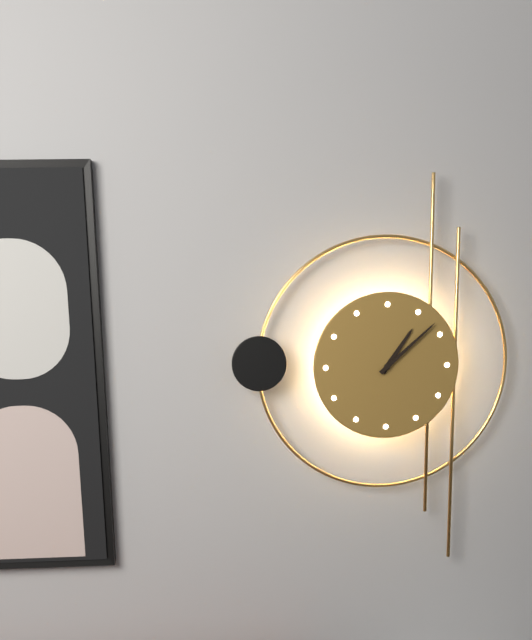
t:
1:08
